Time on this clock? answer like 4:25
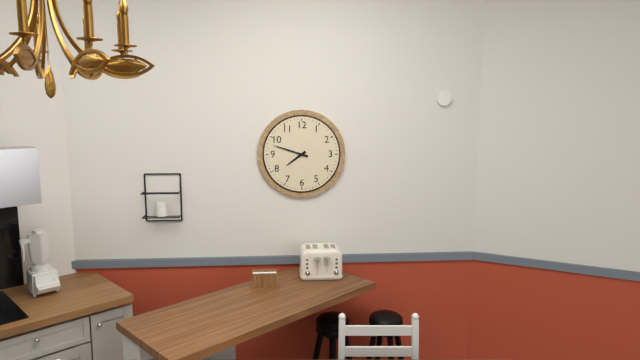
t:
7:48
